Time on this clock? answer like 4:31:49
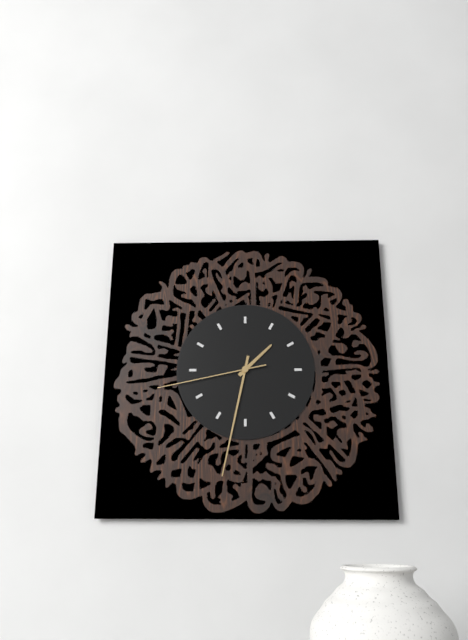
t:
1:32:43
